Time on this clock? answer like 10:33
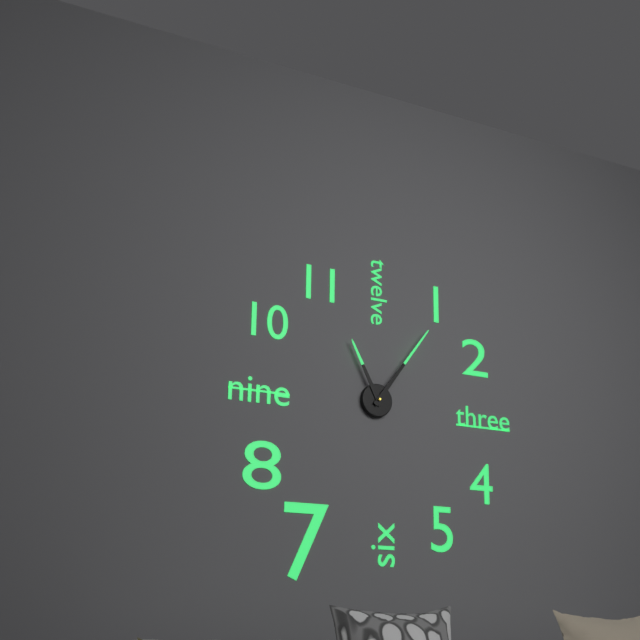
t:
11:06
